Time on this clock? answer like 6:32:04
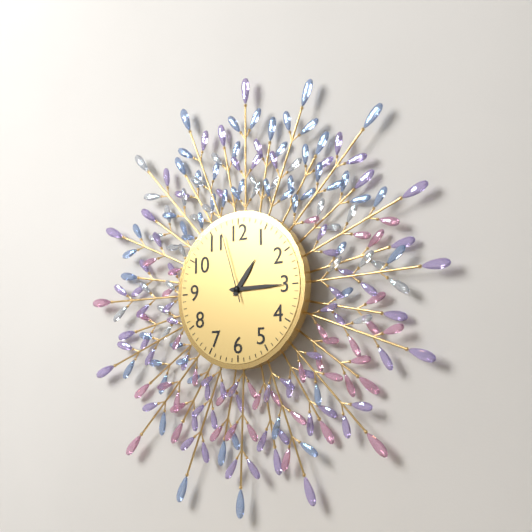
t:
1:15:57
